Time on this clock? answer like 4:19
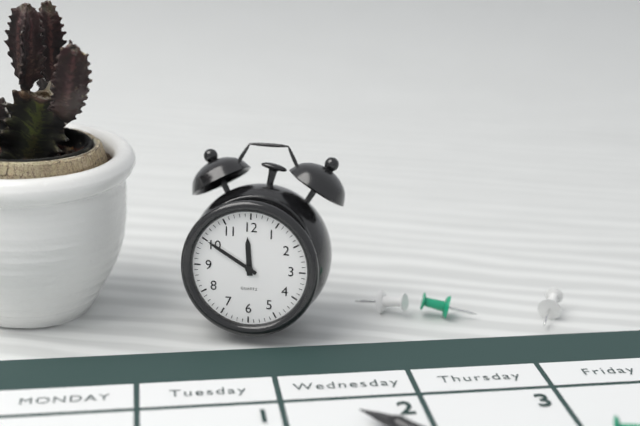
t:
11:50
